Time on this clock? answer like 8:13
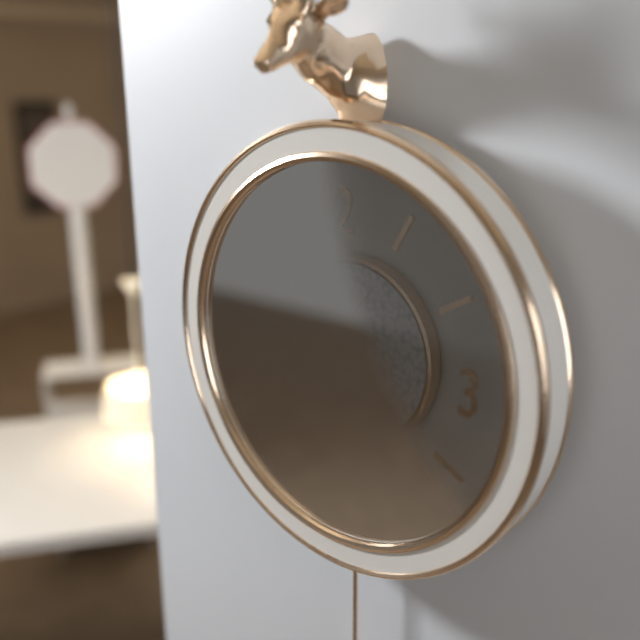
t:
10:55
